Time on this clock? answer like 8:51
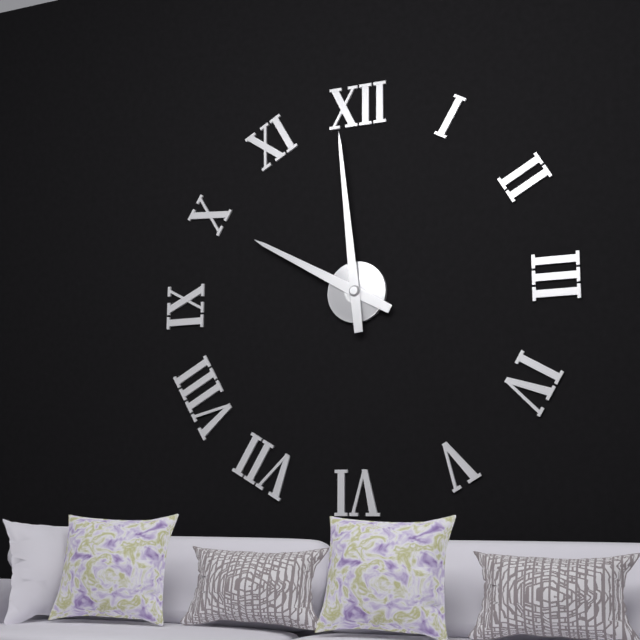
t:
9:59
